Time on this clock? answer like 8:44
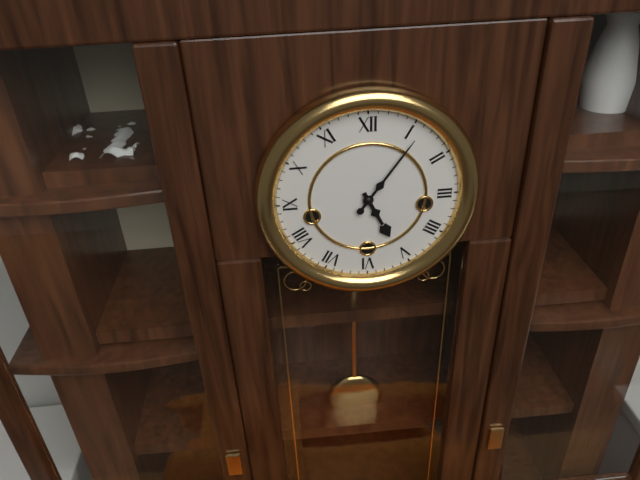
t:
5:06
